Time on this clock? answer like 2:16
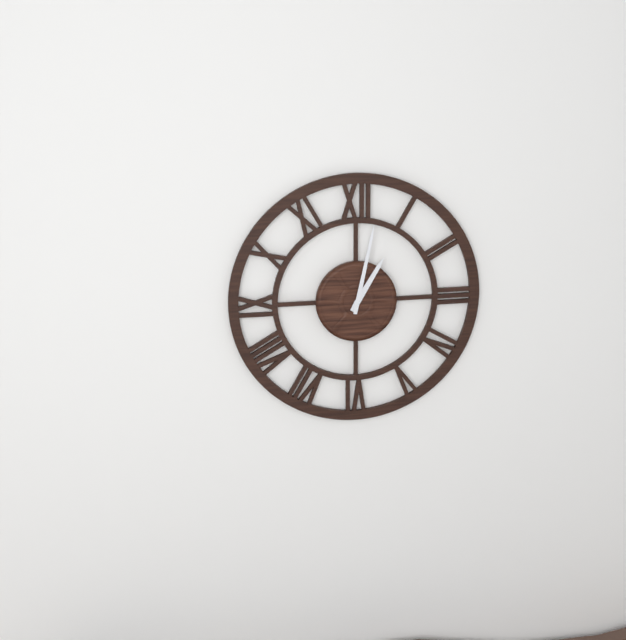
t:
1:02
